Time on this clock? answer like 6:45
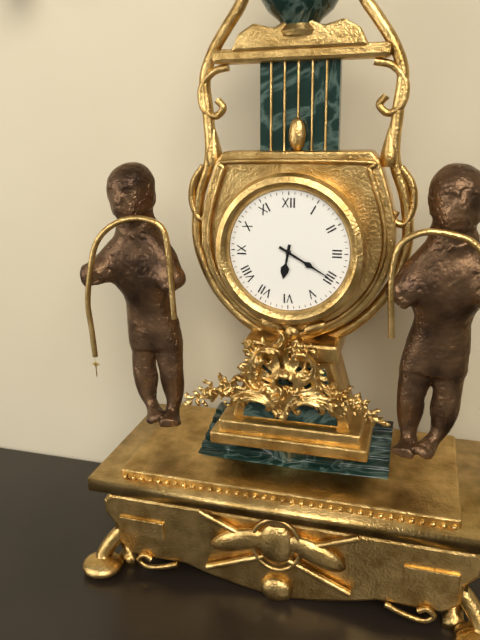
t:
6:20
